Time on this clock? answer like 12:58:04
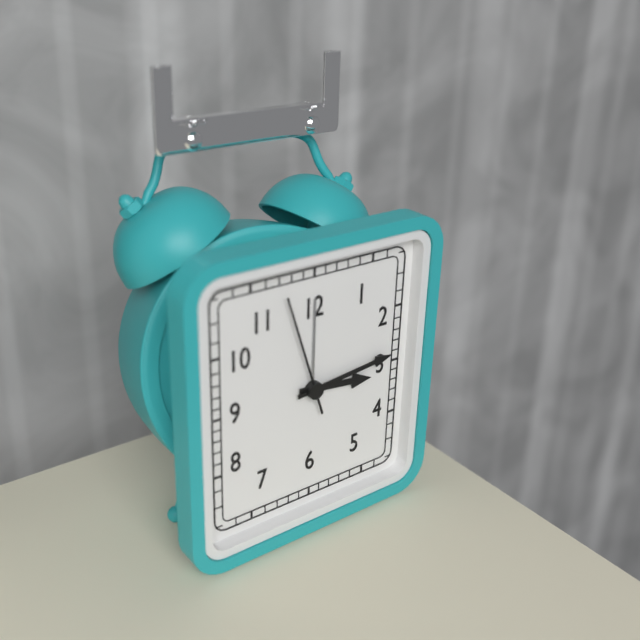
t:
3:14:57
